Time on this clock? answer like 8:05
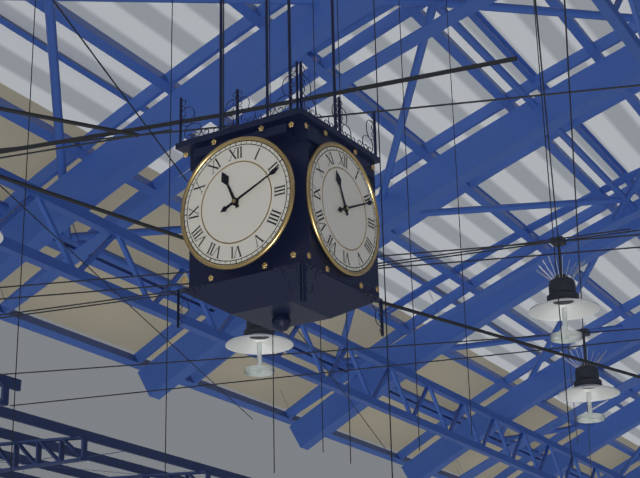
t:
11:11
